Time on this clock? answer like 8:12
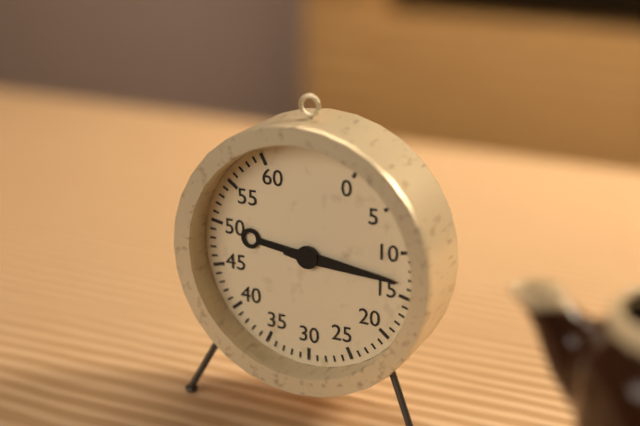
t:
9:16
